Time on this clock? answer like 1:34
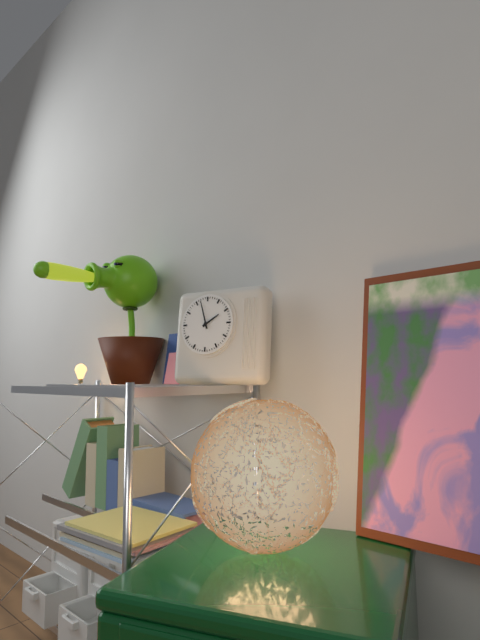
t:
1:57
